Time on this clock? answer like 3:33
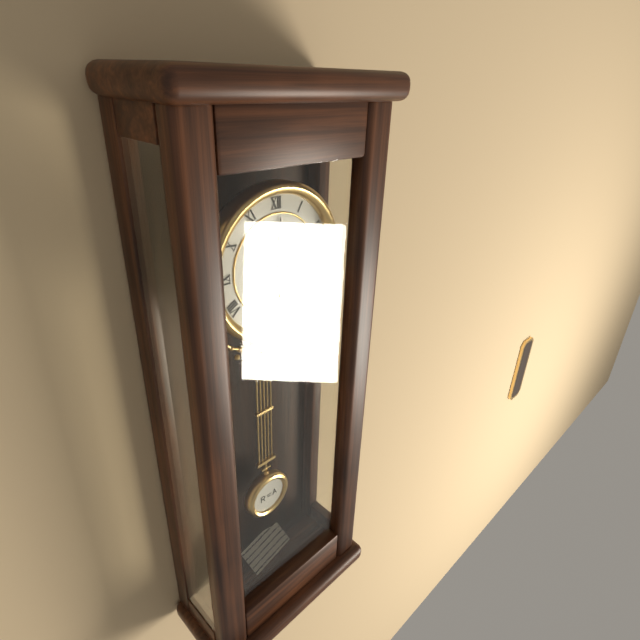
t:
12:10
